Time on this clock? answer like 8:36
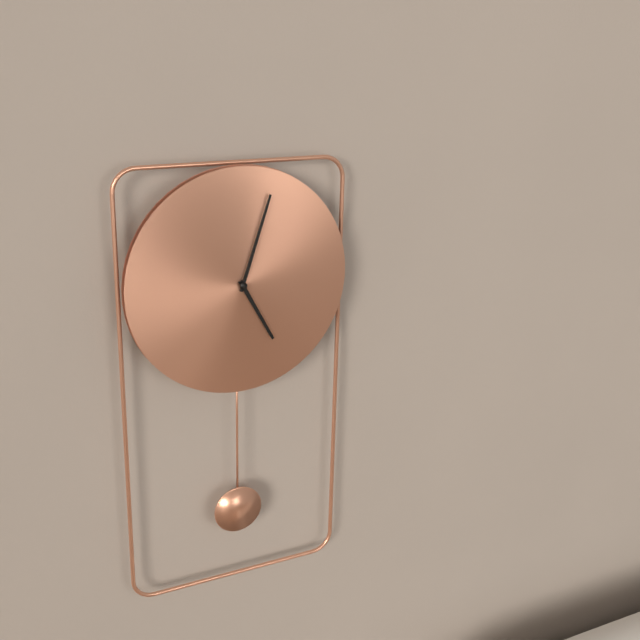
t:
5:03
